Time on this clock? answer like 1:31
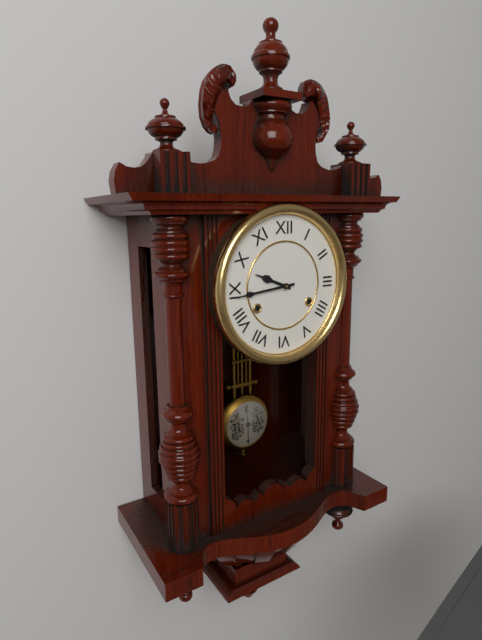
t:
9:44
